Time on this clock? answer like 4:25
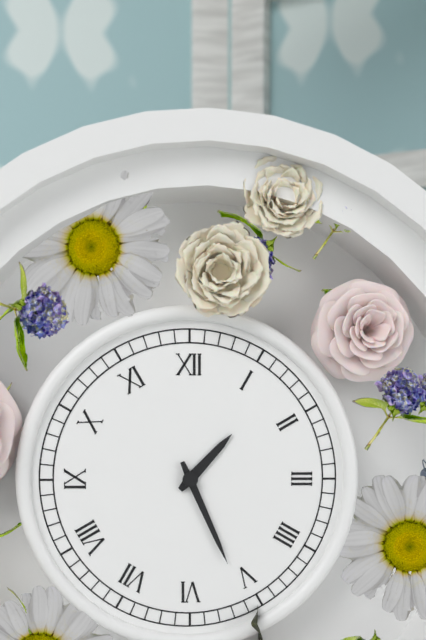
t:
1:26
